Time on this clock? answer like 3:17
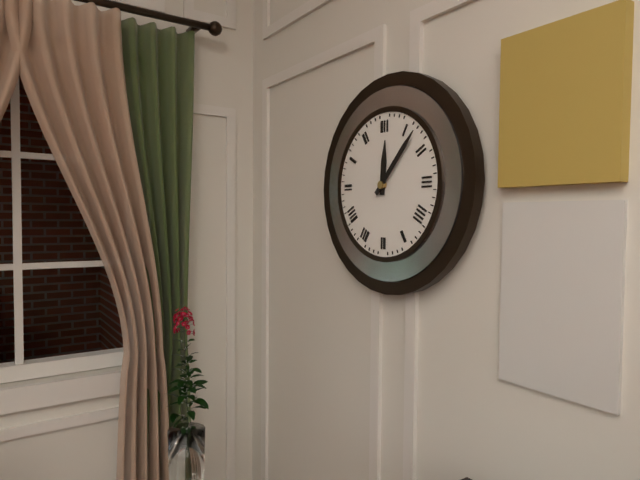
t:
12:07
